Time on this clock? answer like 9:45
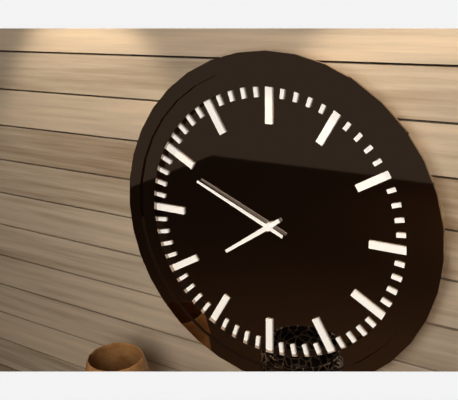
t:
7:49
